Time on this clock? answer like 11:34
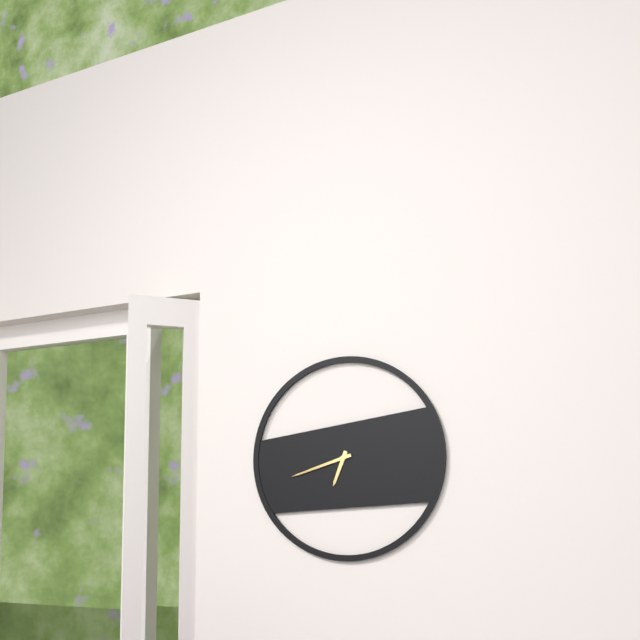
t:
6:42
